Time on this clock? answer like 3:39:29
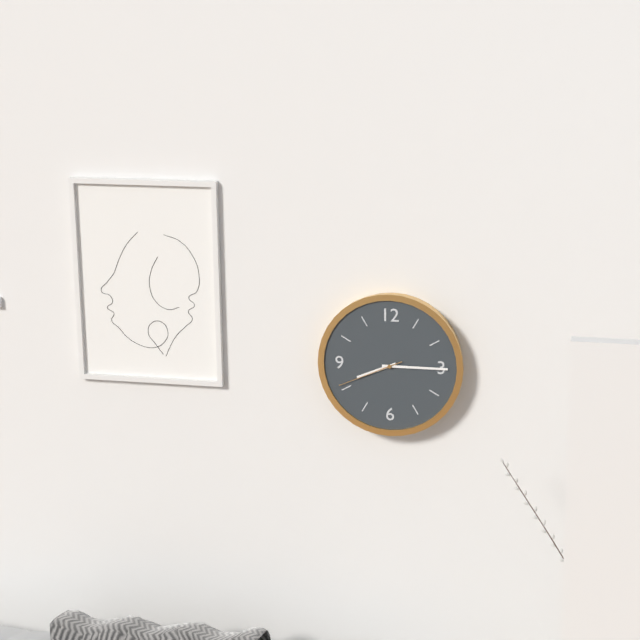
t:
8:15:41
